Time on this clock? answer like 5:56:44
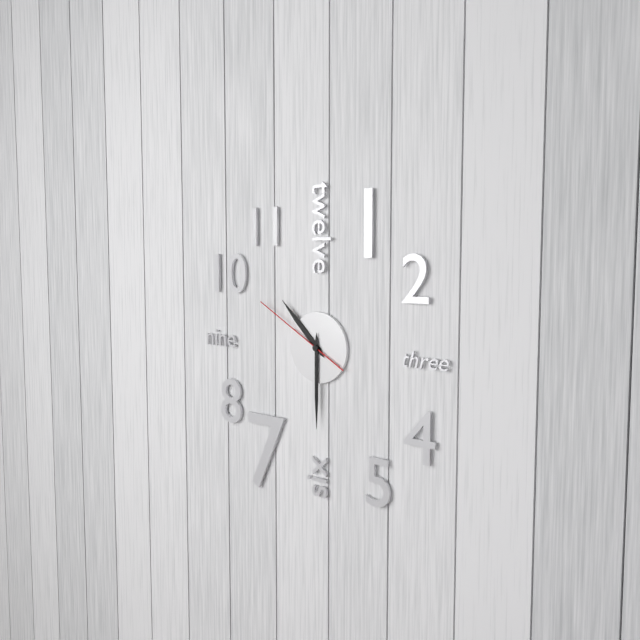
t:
10:30:50
